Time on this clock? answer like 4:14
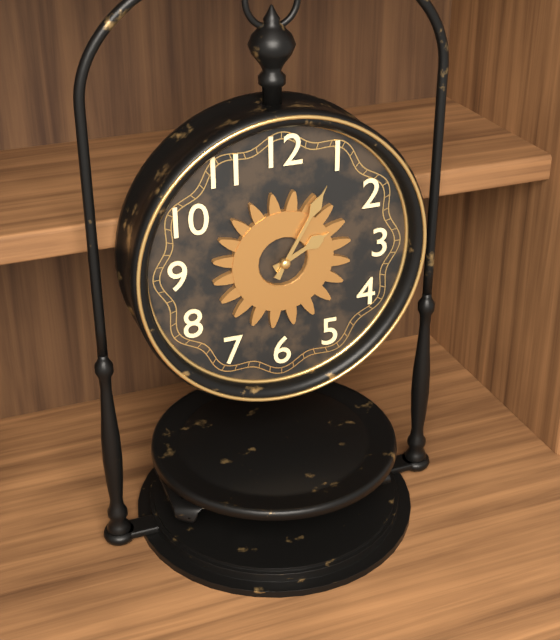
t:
2:05
